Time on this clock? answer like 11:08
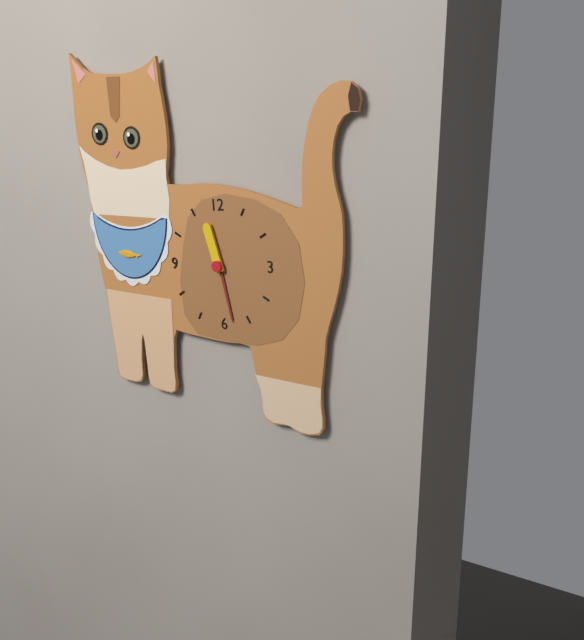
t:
11:28
